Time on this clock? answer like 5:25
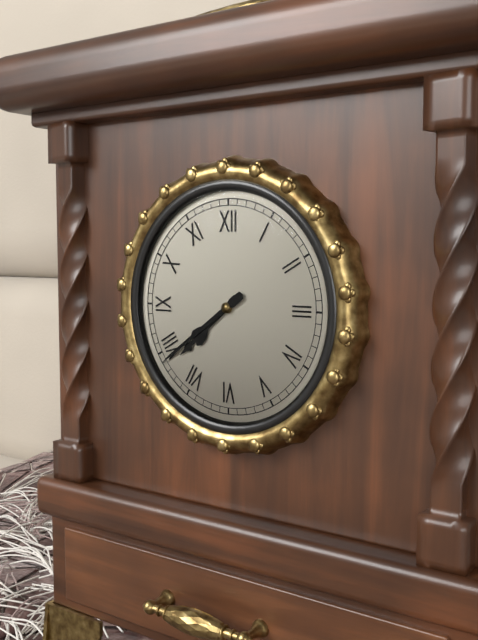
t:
7:39
